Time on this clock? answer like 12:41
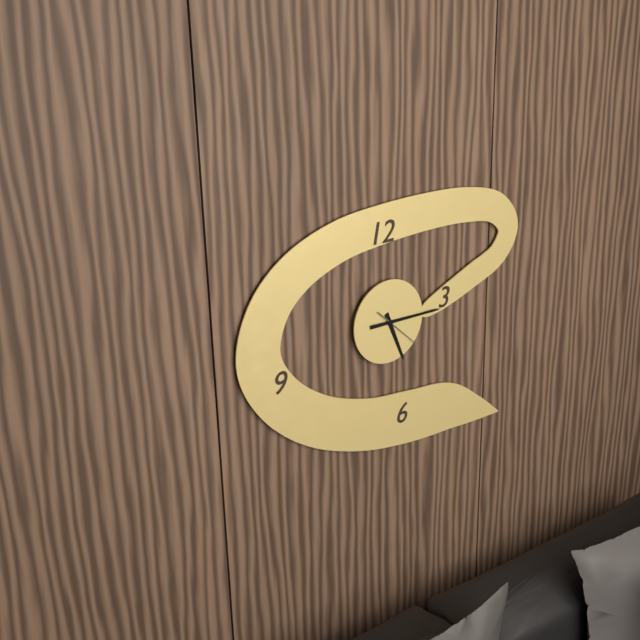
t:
5:15
